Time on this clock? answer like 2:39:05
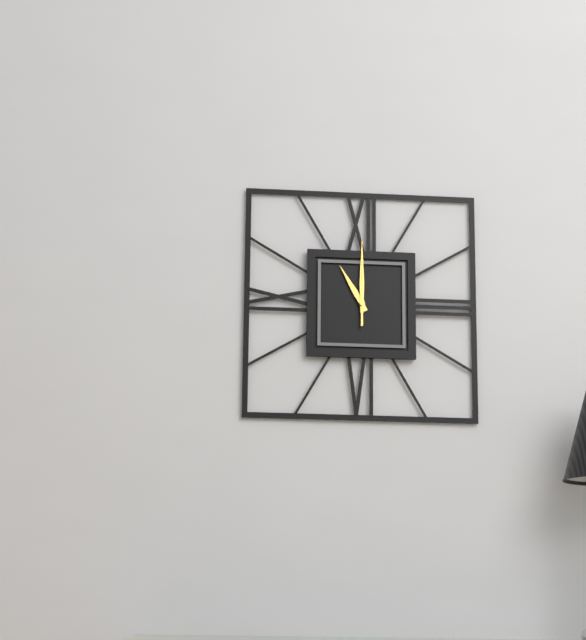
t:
11:00:00
